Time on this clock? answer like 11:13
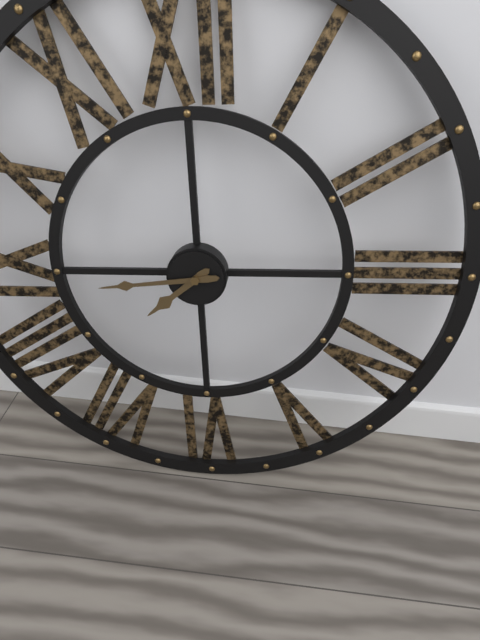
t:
7:44
